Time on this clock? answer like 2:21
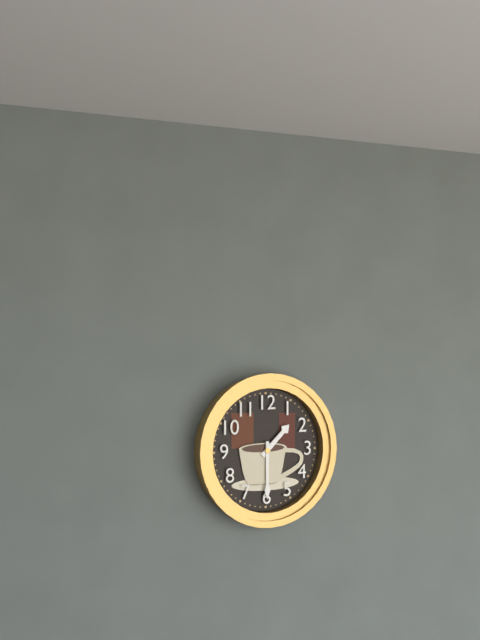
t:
1:30
